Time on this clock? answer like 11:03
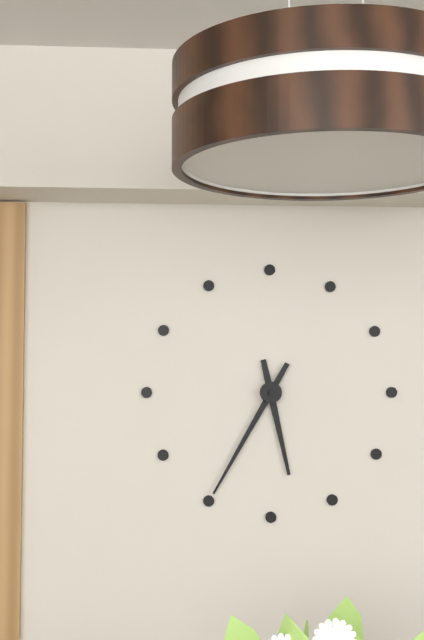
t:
5:35
